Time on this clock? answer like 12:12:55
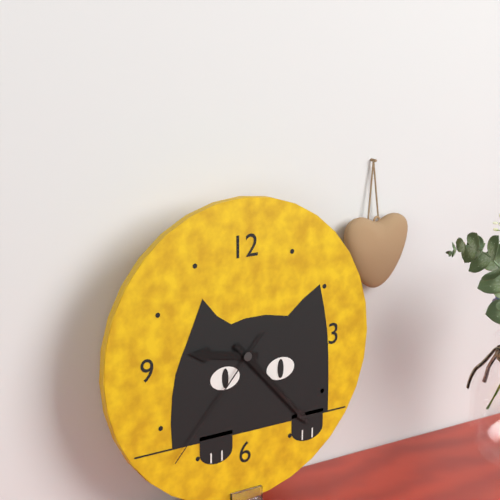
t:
9:23:37
